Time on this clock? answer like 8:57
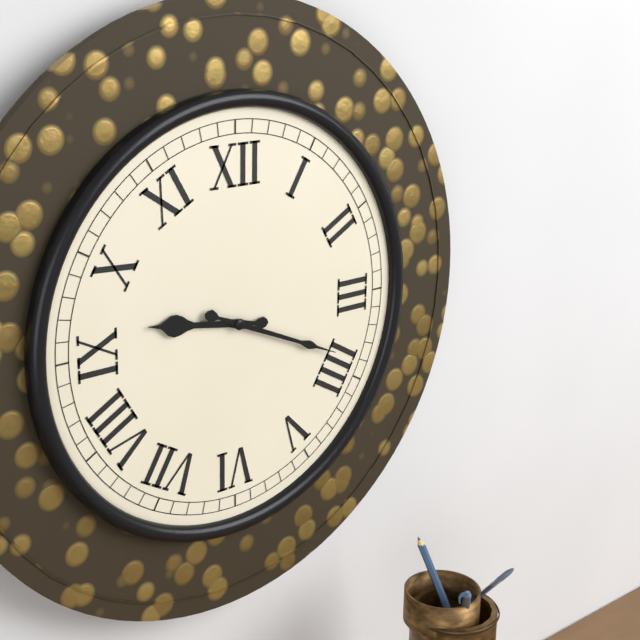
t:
9:19
